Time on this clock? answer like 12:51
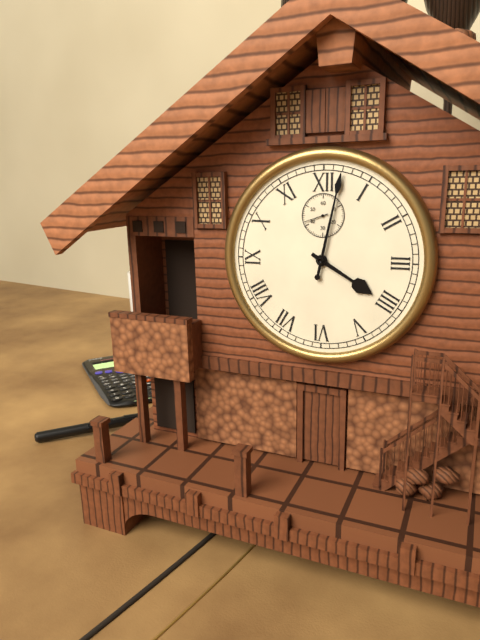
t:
4:02
